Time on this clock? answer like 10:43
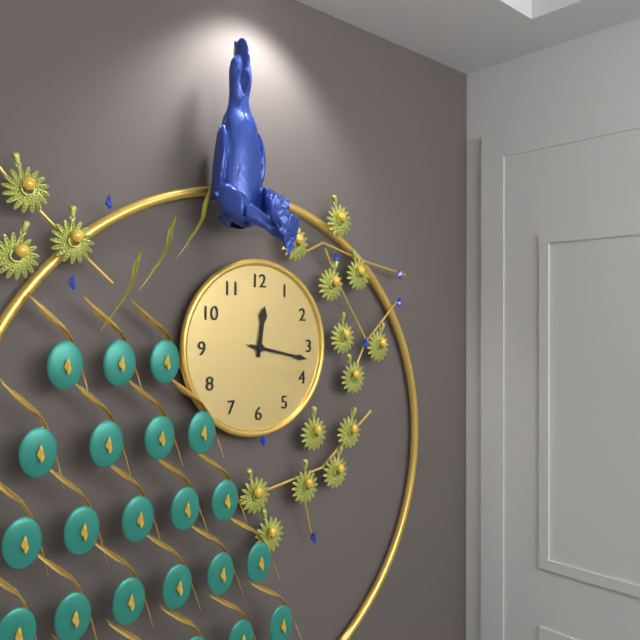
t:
12:17
